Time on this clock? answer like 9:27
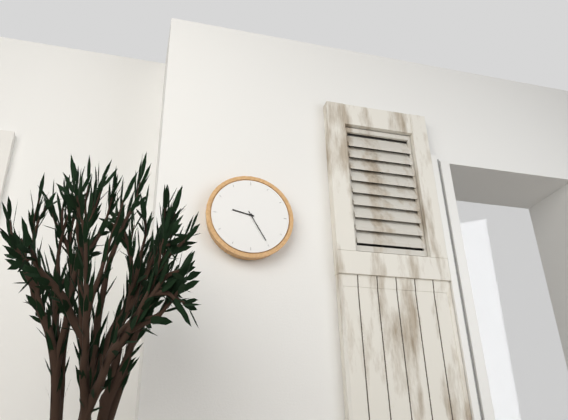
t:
9:25
